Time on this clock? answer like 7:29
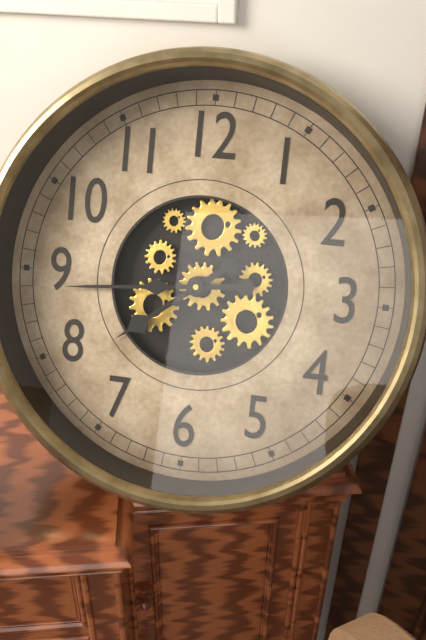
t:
7:44
